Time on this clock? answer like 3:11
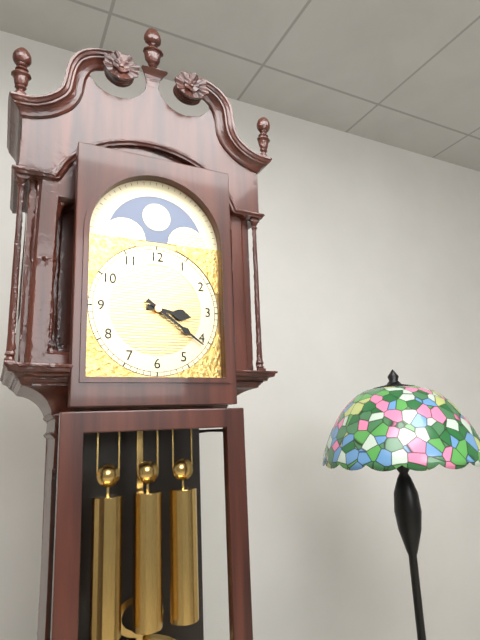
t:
3:21
